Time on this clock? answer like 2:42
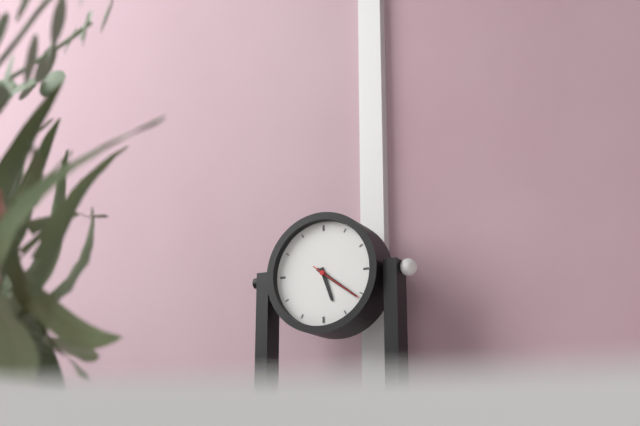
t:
5:21
